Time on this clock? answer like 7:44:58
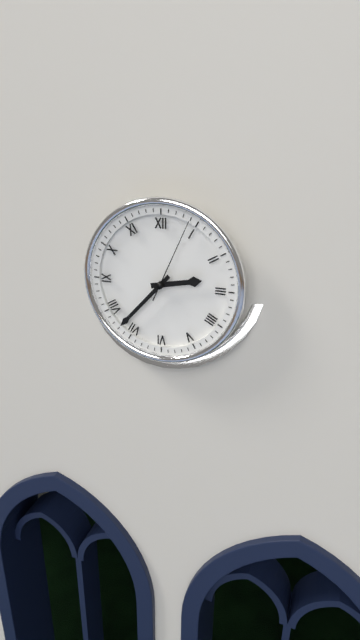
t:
2:37:04
